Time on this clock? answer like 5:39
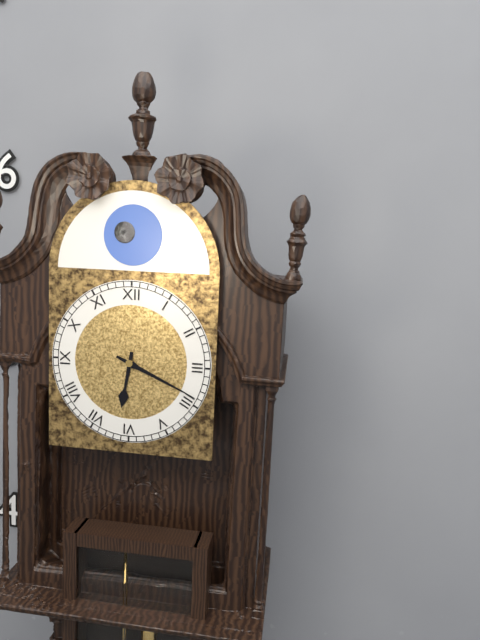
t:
6:19
